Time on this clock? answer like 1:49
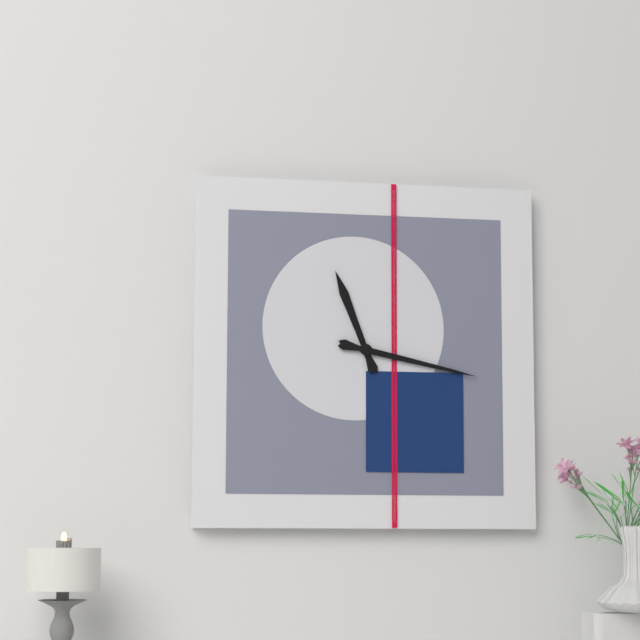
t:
11:17
